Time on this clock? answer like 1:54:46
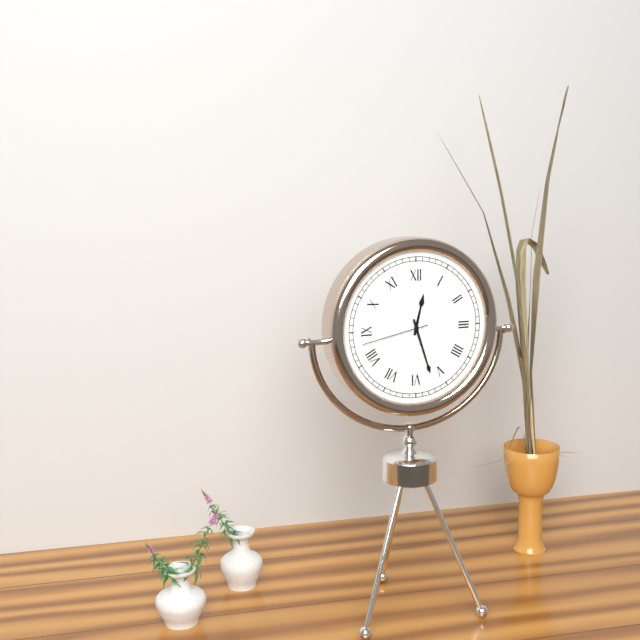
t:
12:27:43
